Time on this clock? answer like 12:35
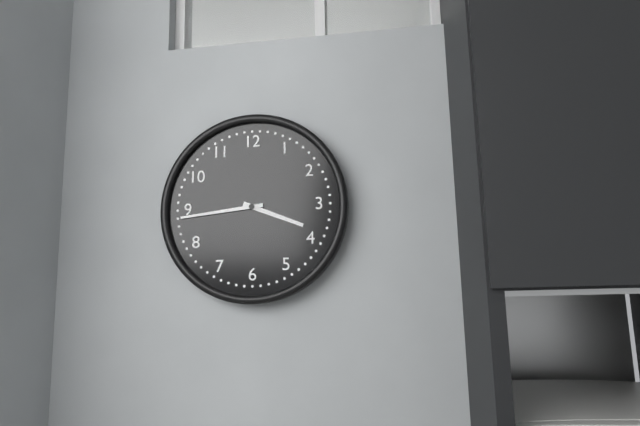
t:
3:44
